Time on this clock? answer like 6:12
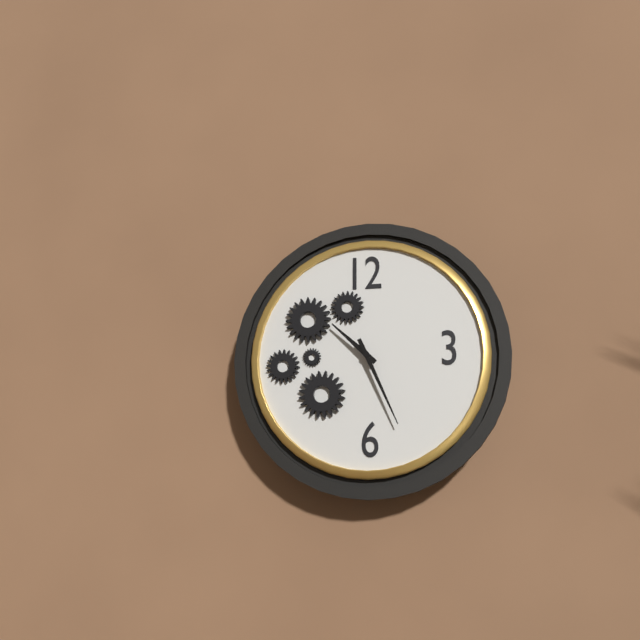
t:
10:26
